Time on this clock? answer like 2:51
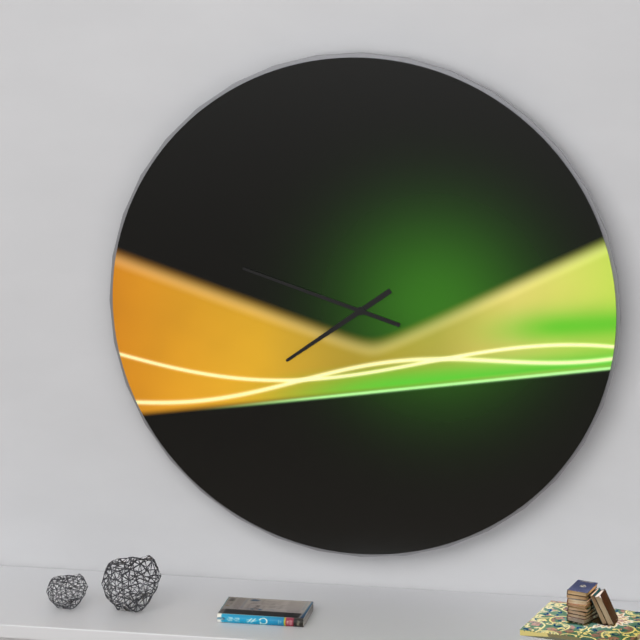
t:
7:48
